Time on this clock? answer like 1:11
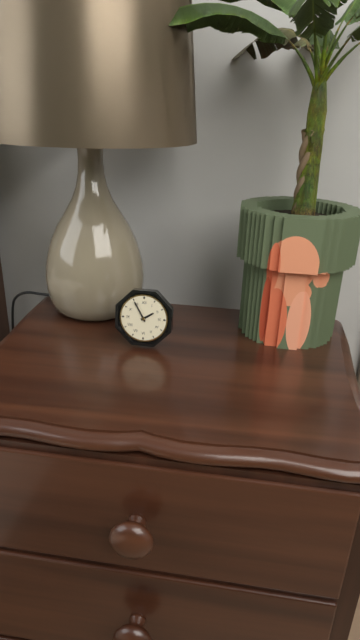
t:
1:55
